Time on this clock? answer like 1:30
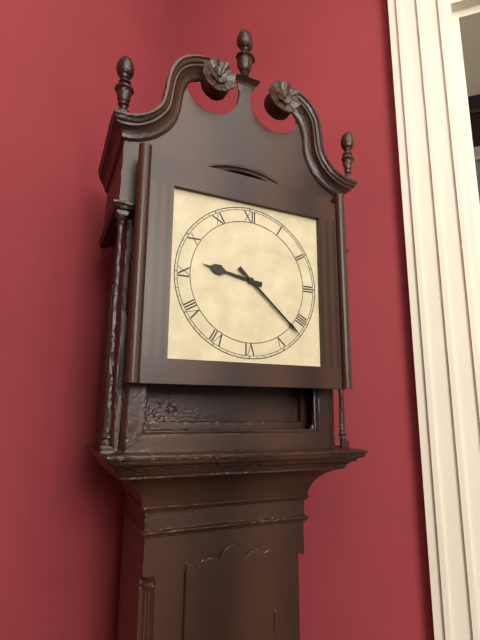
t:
9:22
